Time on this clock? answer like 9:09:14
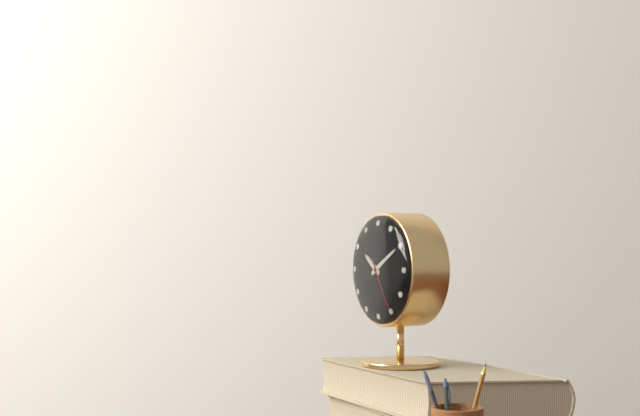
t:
10:10:25
